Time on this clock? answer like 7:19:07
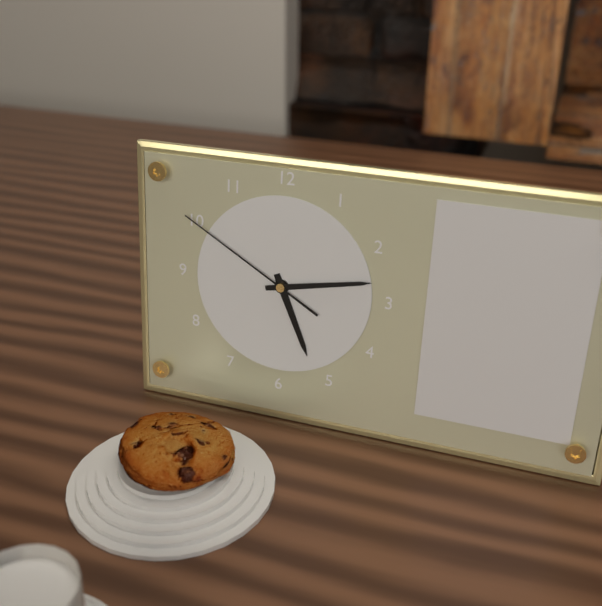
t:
5:13:50
